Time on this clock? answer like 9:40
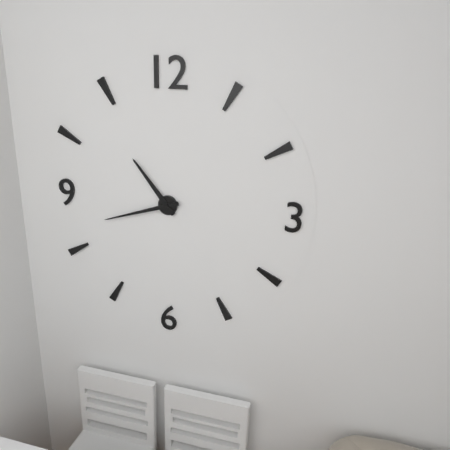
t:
10:42
